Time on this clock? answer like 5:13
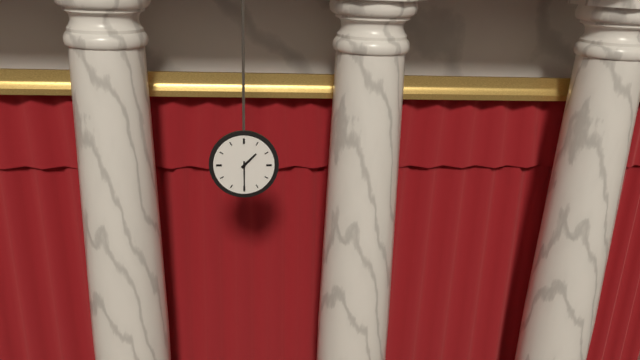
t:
1:30
